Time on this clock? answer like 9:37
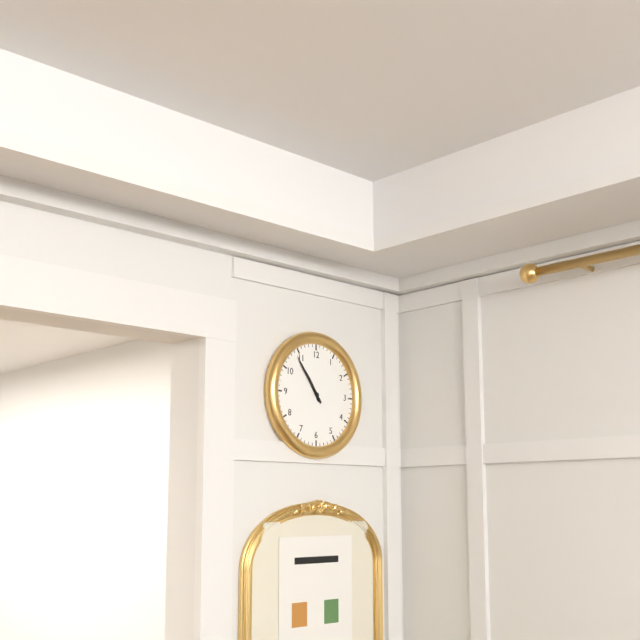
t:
10:54
